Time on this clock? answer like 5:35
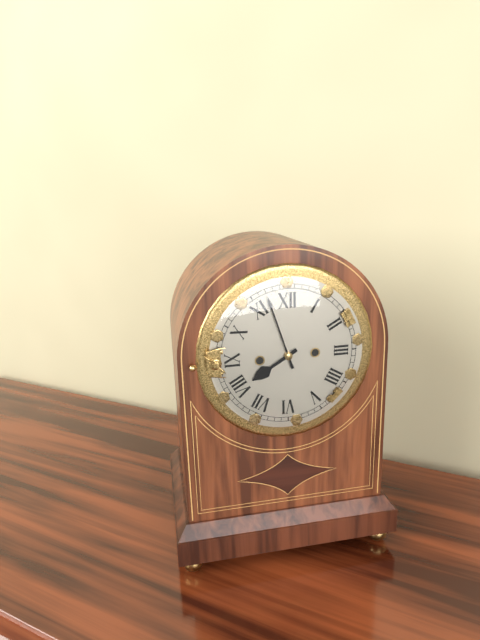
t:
7:57
